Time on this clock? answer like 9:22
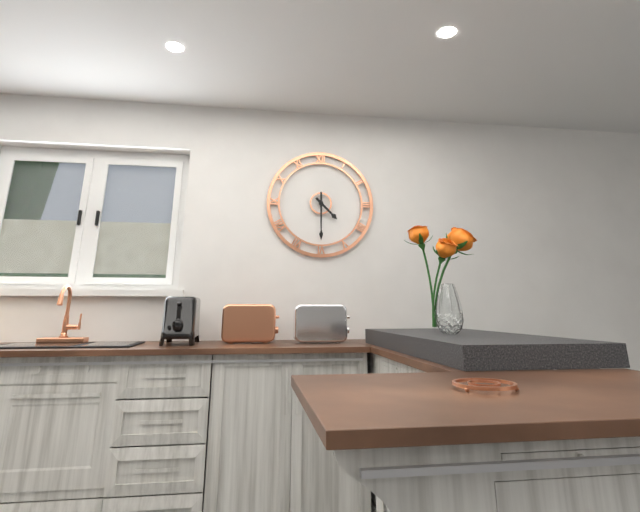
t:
4:30
